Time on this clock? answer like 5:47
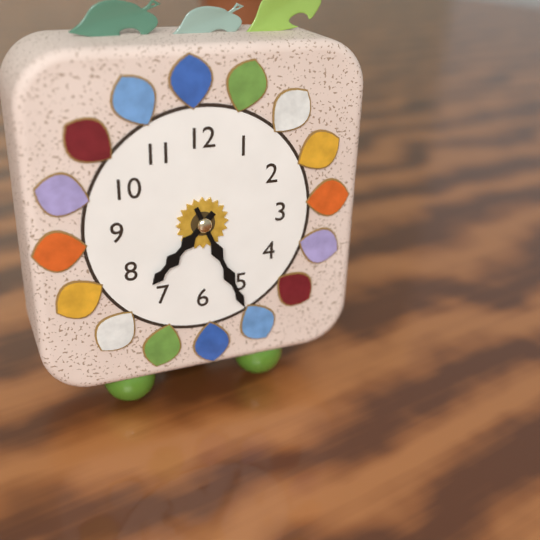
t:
7:26
